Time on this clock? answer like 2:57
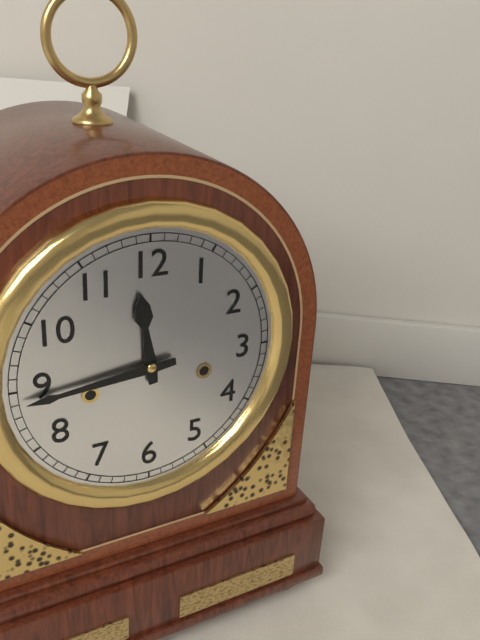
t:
11:44
